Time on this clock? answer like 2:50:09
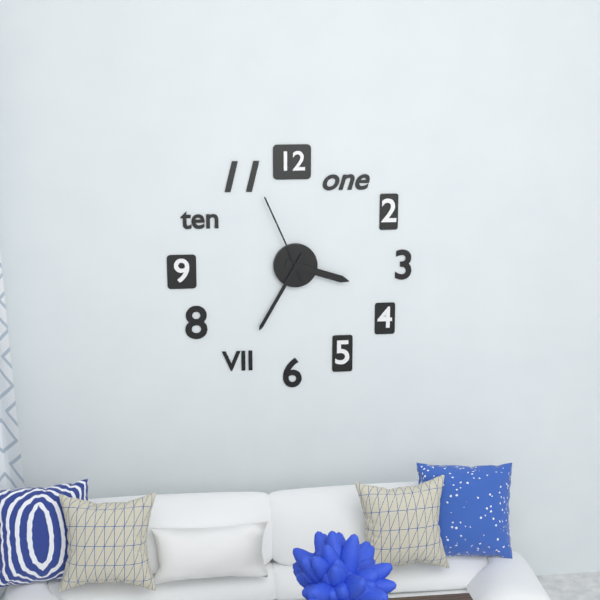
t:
3:35:56
